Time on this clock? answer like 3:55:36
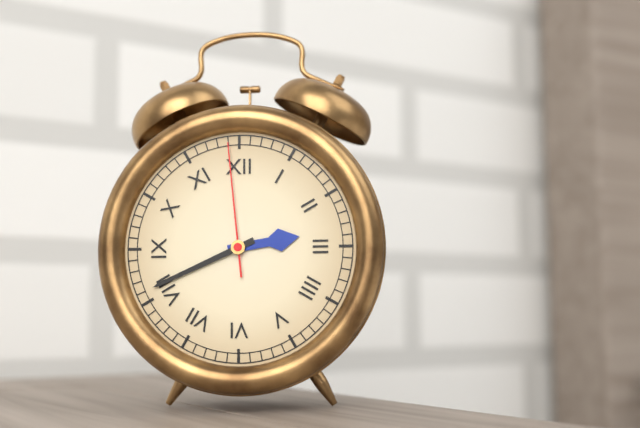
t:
2:41:59
